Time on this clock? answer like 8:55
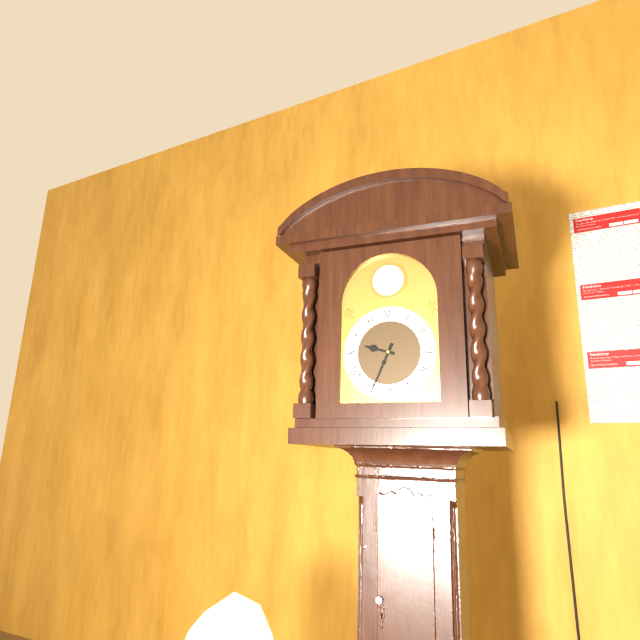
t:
9:34
